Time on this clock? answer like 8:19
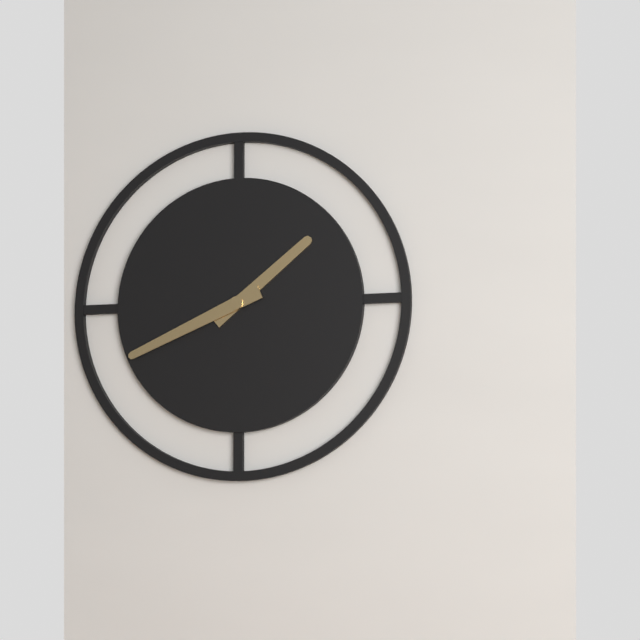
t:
1:41
